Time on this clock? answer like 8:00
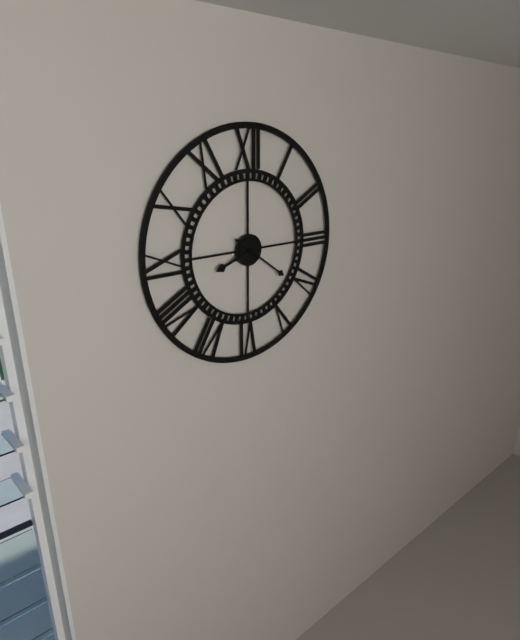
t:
8:21
